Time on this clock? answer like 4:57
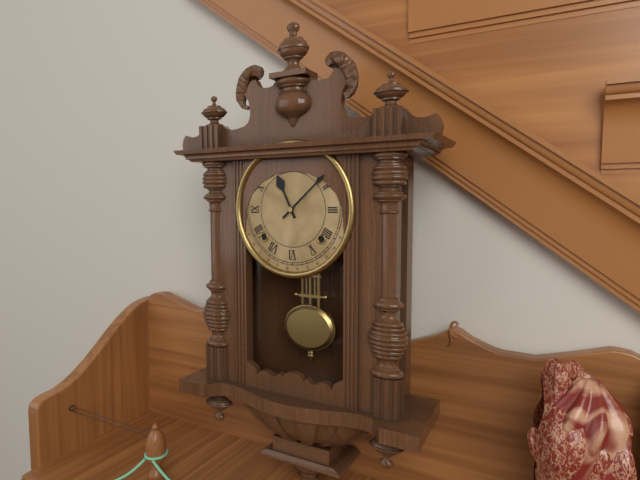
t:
11:08
